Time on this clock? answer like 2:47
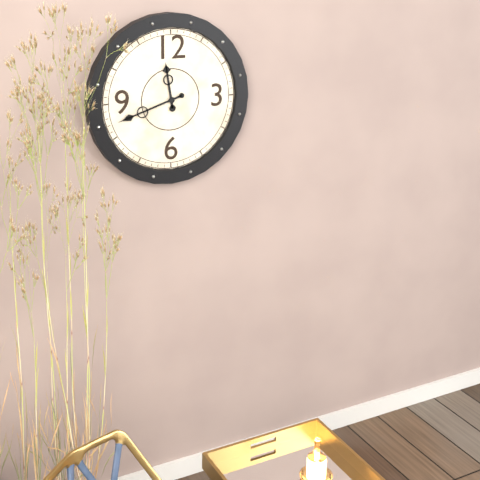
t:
11:42
